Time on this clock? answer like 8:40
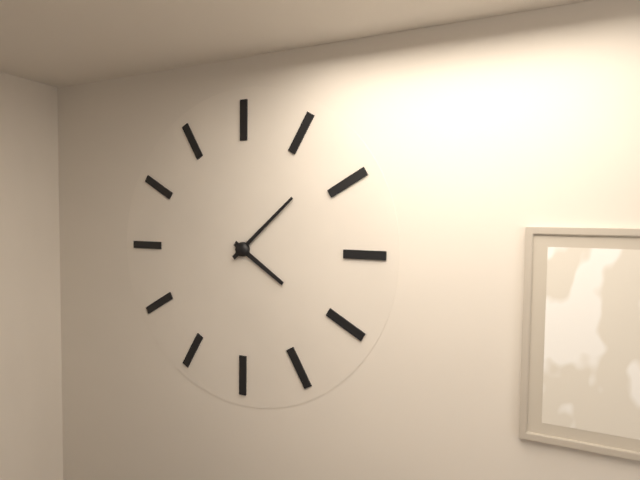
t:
4:08
